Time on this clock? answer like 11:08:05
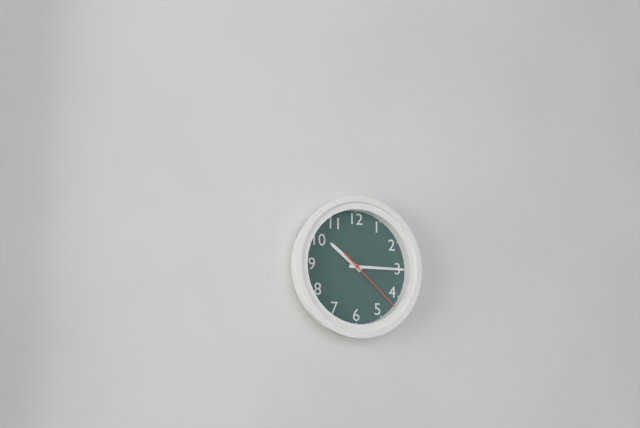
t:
10:15:22
